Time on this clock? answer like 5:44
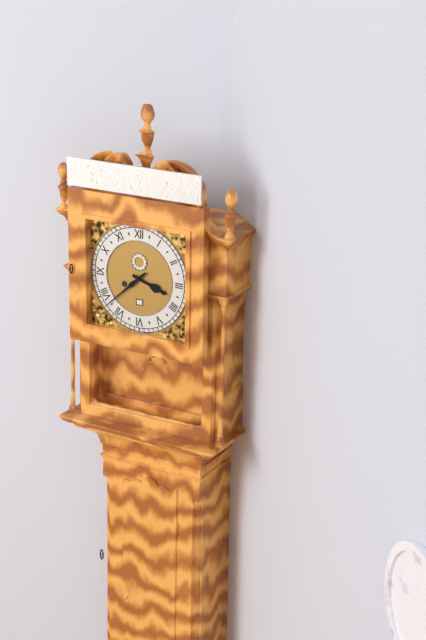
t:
3:38
